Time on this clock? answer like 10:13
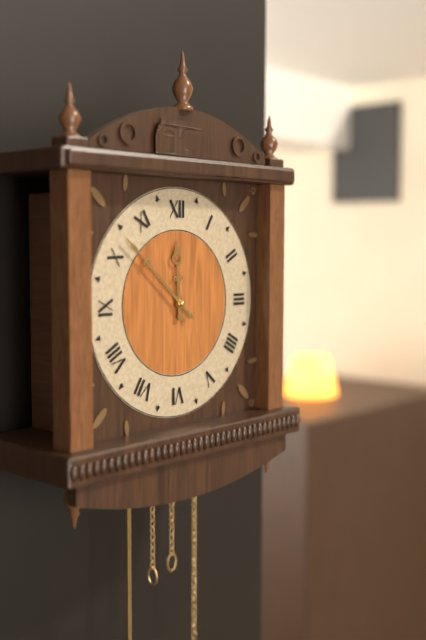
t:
11:52
